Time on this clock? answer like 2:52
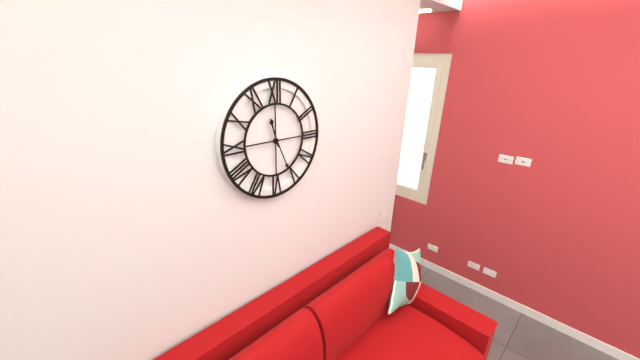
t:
11:26
